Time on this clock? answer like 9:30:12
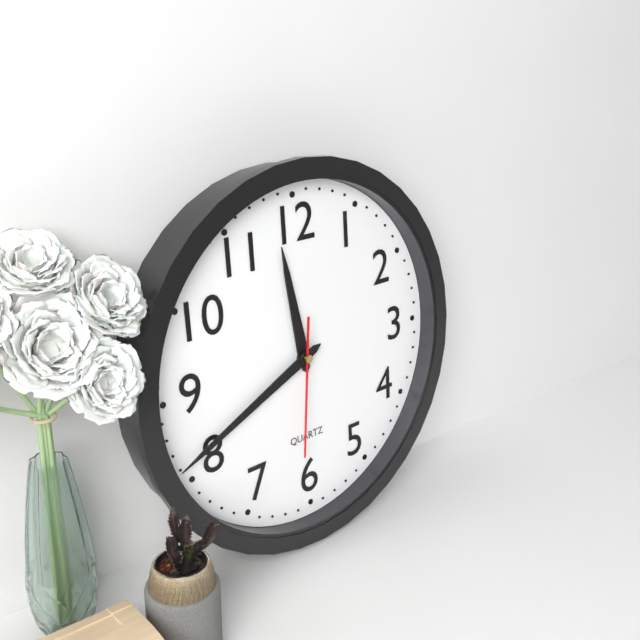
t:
11:41:31
